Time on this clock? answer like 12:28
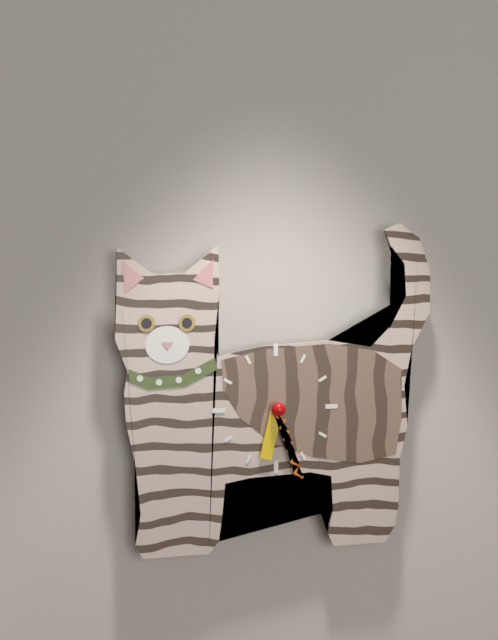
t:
6:27
